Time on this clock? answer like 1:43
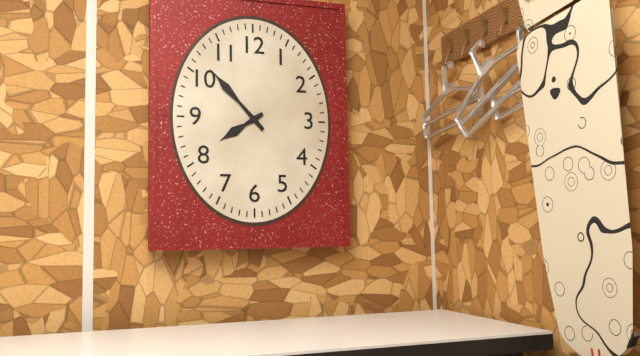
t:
7:53
